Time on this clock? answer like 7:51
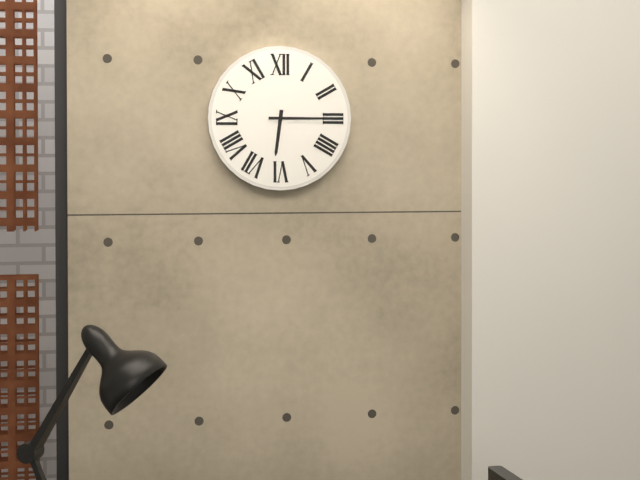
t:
6:15
